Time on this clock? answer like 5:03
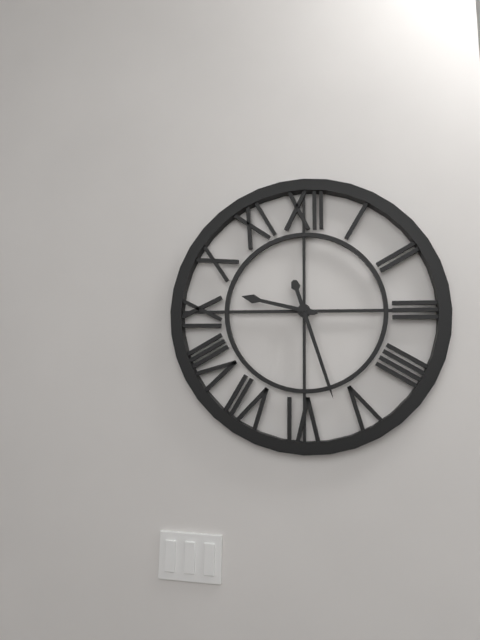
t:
9:27
